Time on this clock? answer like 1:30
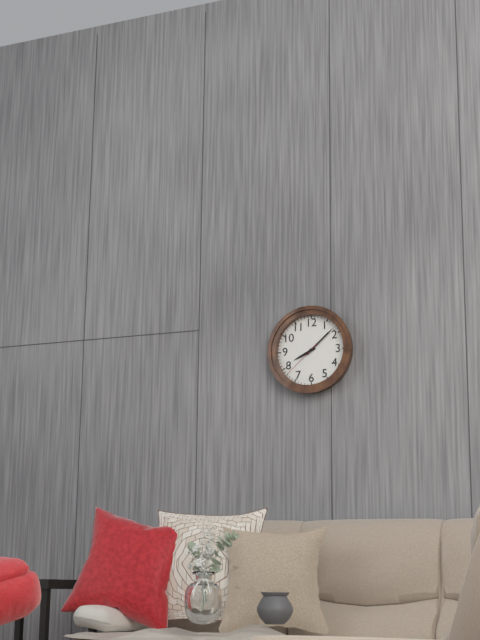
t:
8:08
